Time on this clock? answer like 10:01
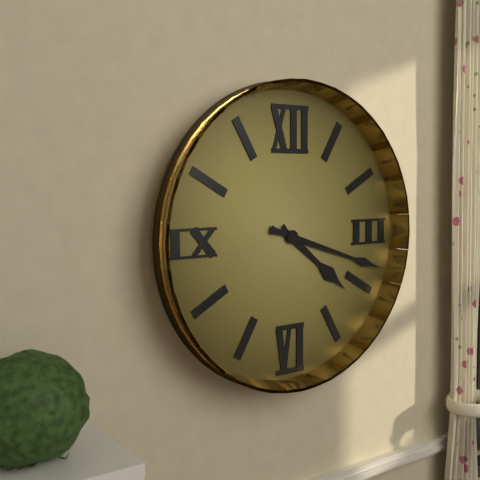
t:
4:18
